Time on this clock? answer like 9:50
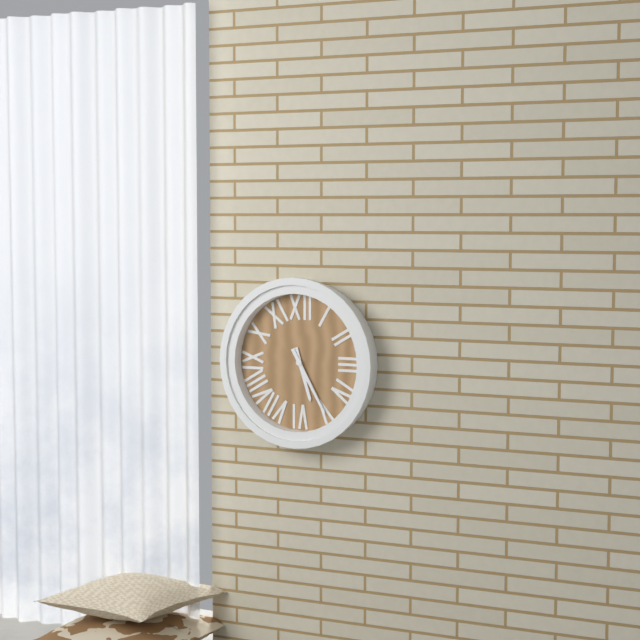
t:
5:25
